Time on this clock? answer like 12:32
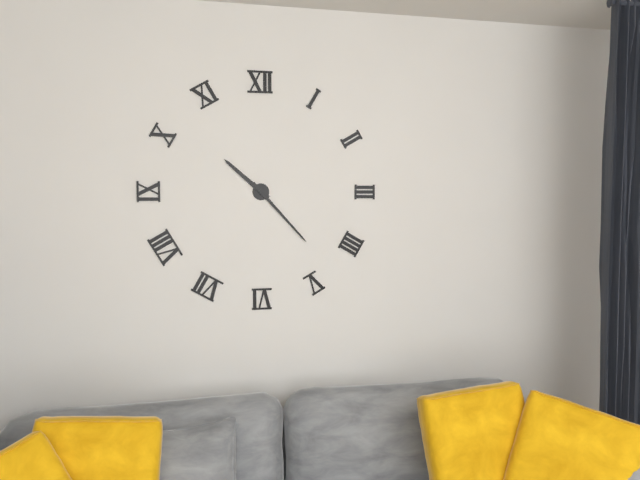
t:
10:23
